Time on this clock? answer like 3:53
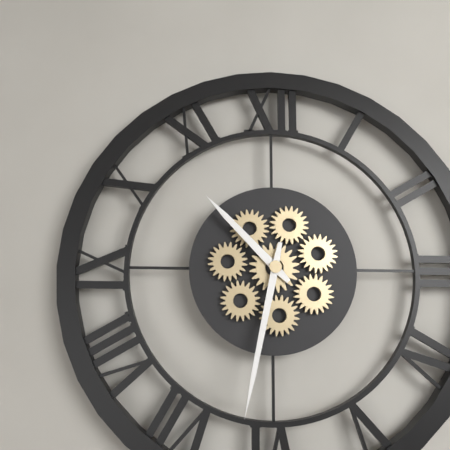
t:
10:32
